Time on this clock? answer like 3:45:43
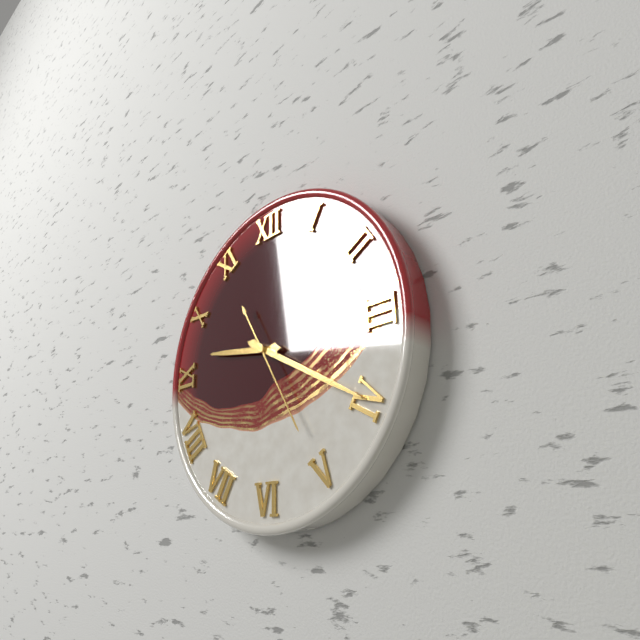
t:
9:20:25
